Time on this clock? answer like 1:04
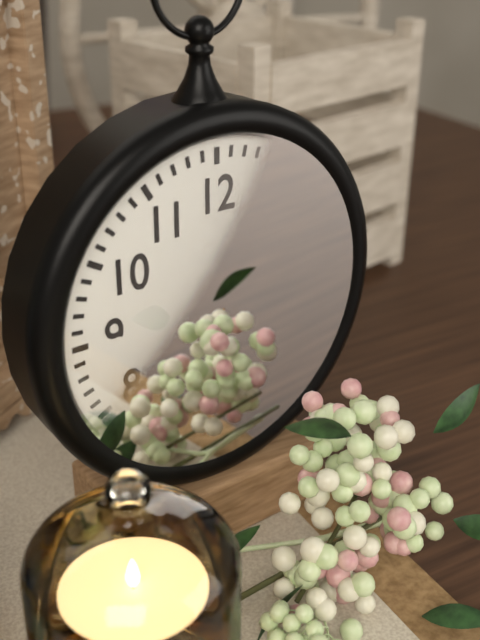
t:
2:12
